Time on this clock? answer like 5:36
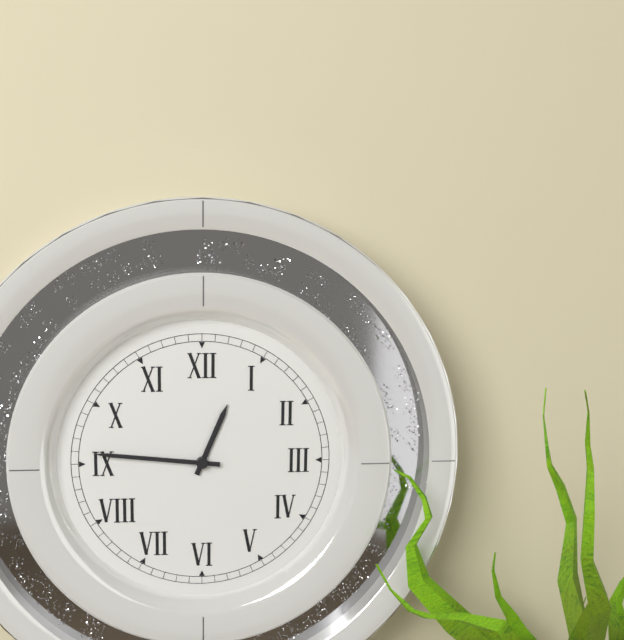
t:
12:46
